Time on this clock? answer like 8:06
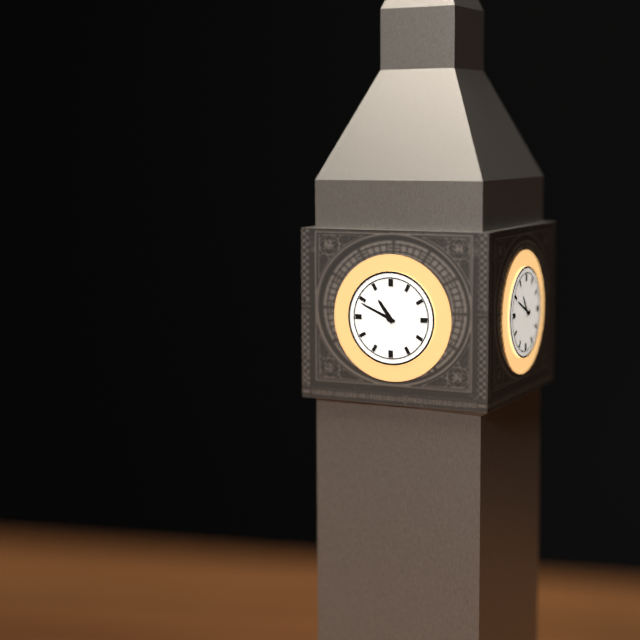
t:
10:49
